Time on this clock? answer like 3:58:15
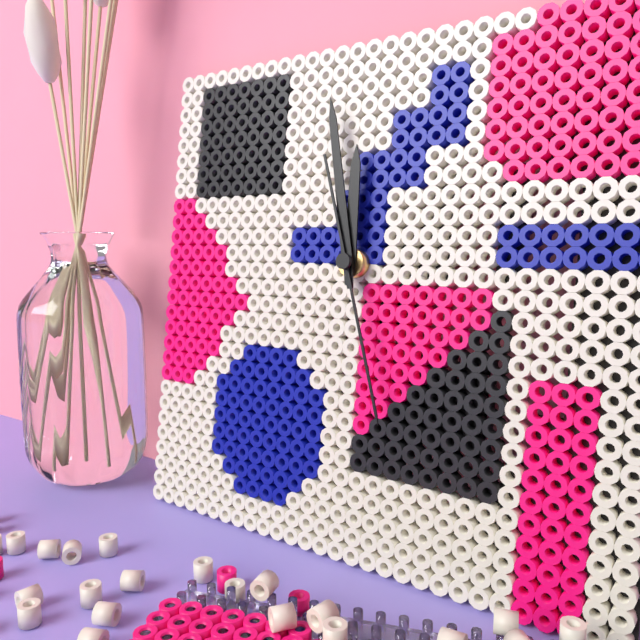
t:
11:58:27
